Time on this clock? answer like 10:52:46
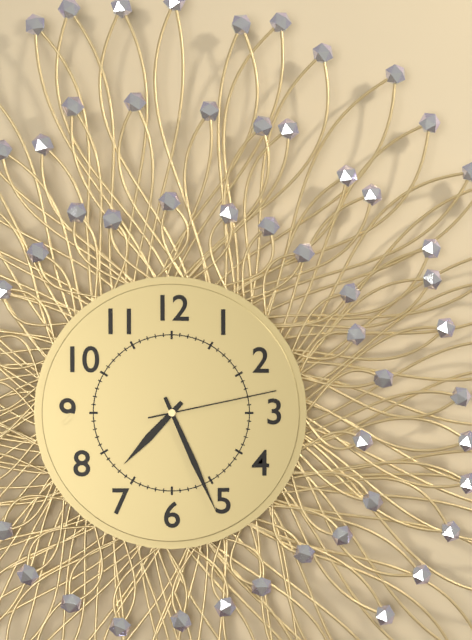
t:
7:26:13
